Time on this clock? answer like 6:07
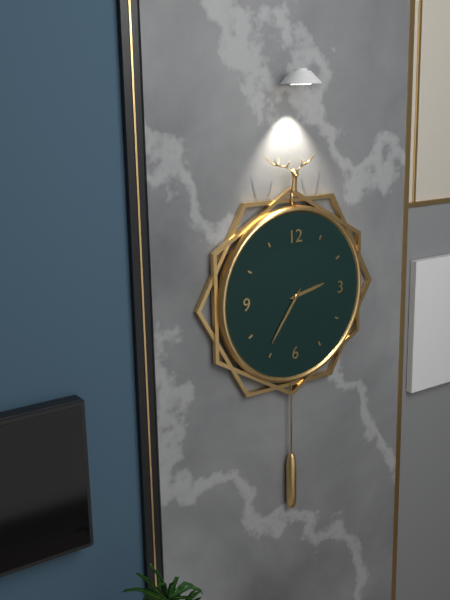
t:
2:36
